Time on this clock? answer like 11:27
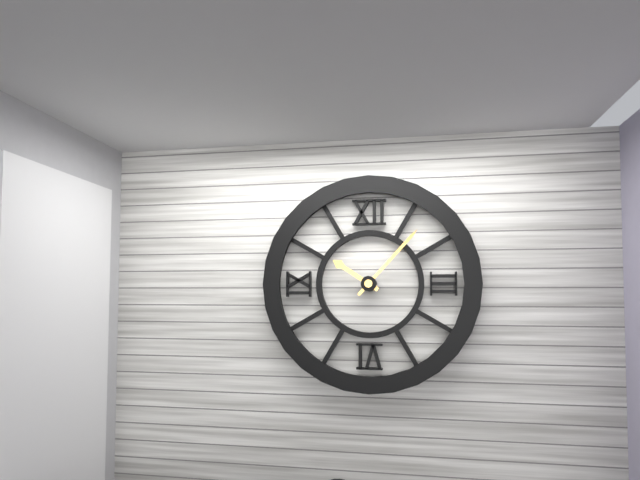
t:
10:07
